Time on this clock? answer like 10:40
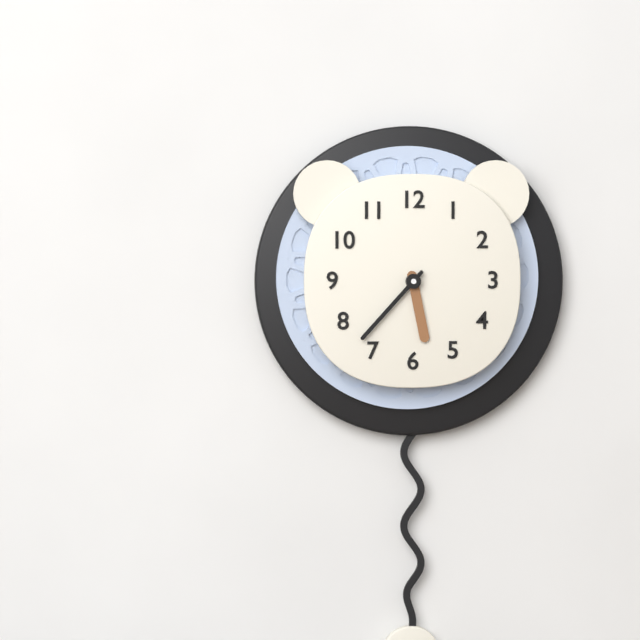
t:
5:37
